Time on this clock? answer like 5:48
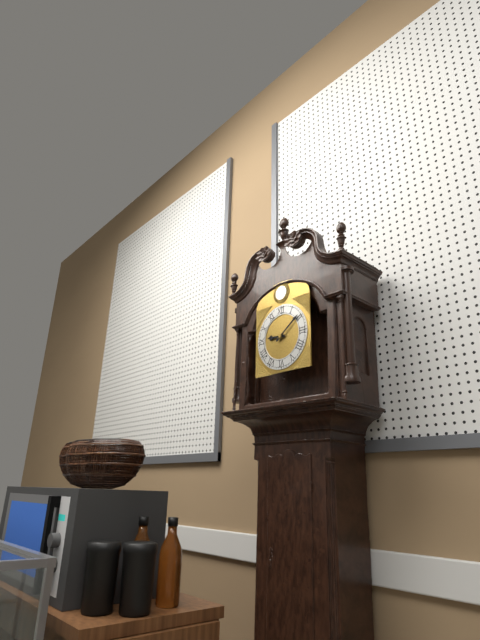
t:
9:09
